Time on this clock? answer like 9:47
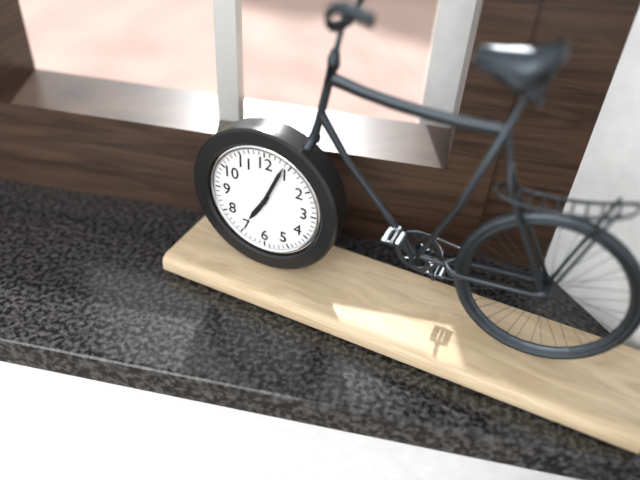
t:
7:04
